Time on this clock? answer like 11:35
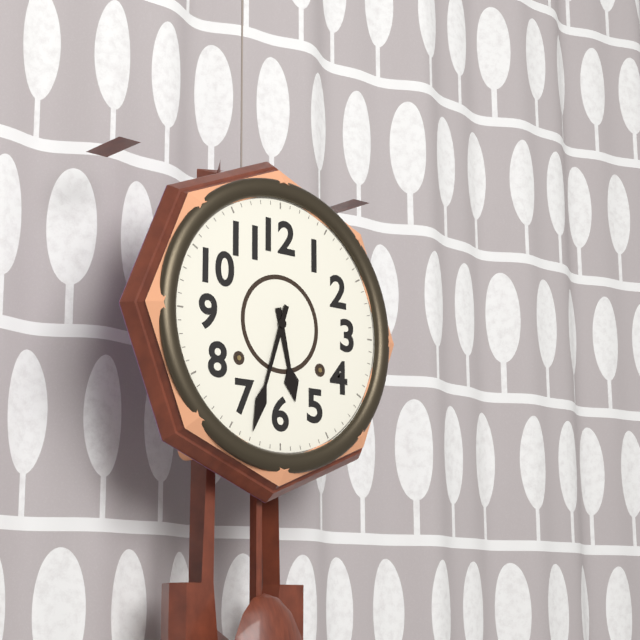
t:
5:33
